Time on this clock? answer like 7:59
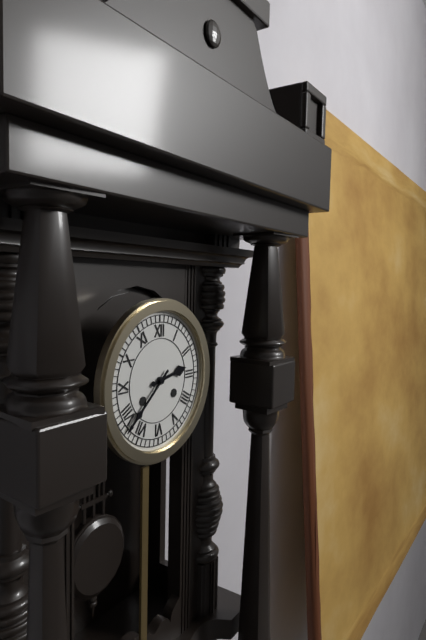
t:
2:38
